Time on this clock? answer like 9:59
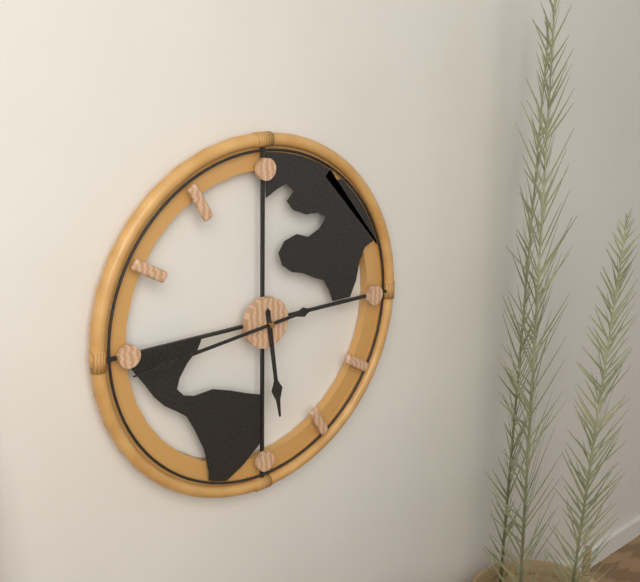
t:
5:44
